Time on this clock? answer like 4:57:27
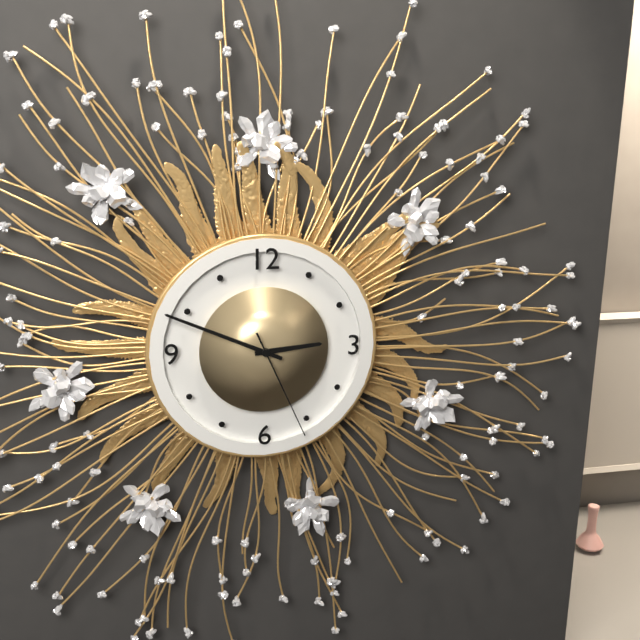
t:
2:49:26
